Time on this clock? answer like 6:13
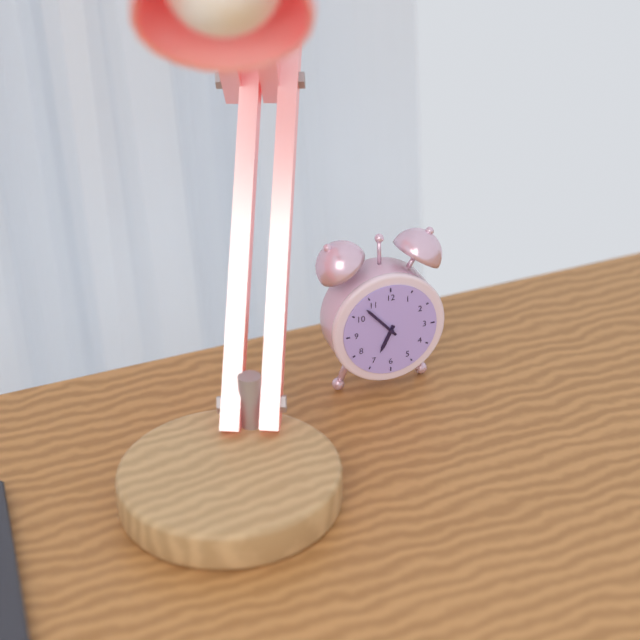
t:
6:53
